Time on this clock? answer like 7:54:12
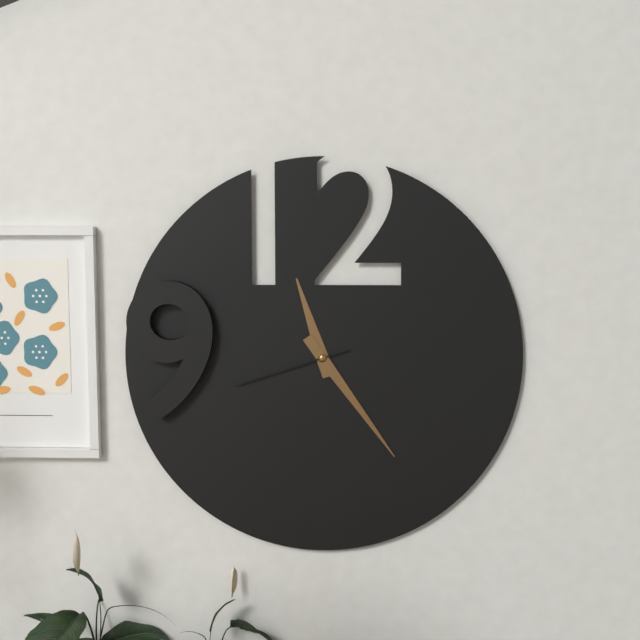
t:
11:24:42
